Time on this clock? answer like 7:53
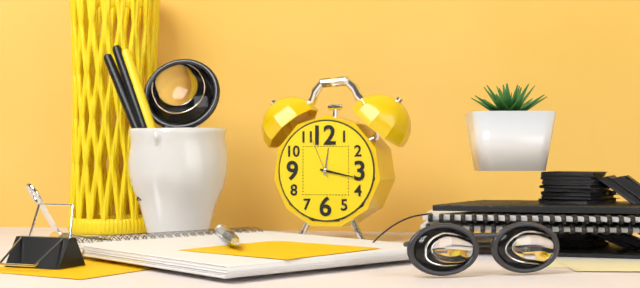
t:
12:17
